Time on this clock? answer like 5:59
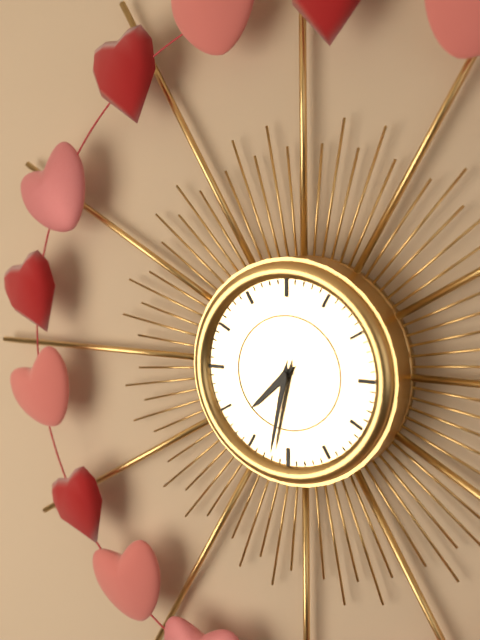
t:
7:32
